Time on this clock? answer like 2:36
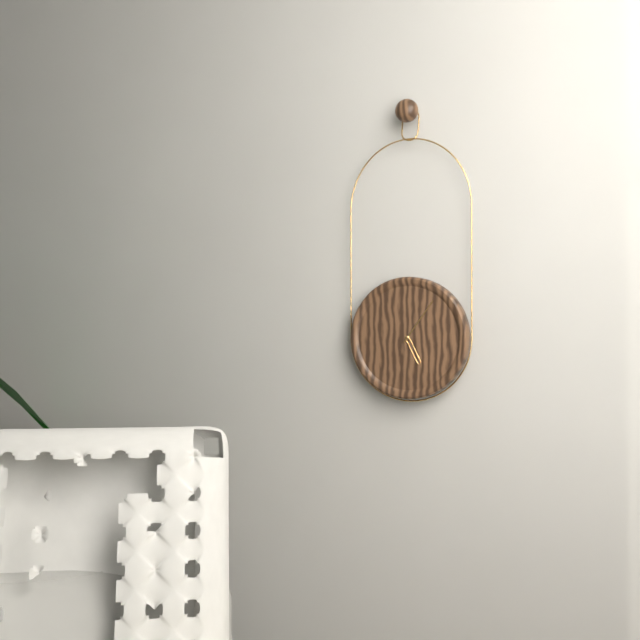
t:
5:06
